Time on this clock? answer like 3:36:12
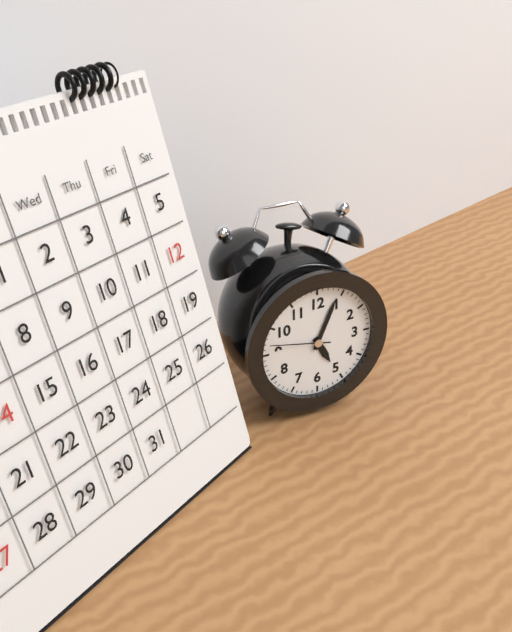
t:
5:04:47
